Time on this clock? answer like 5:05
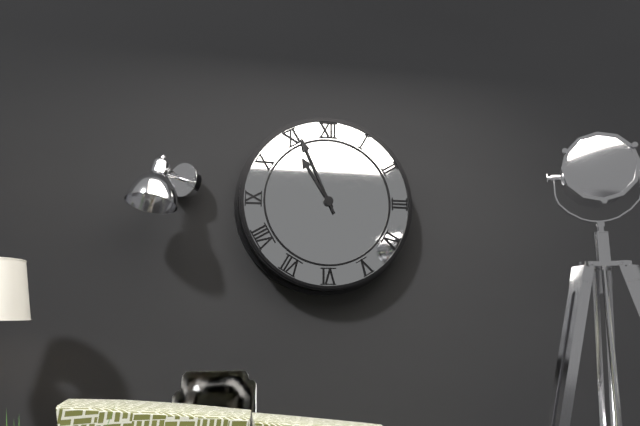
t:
10:56
